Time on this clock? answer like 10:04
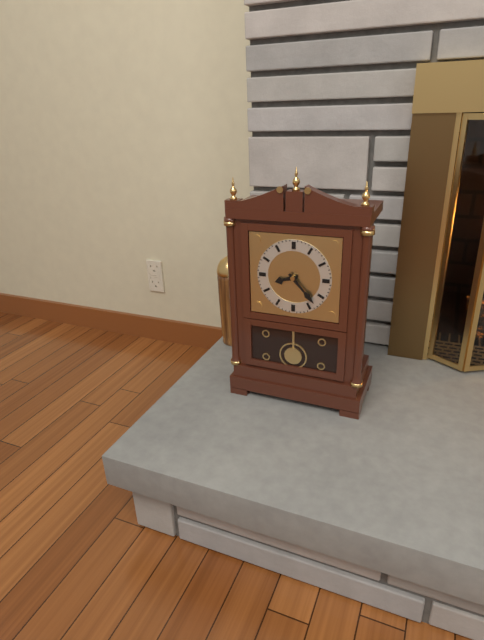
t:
8:23
